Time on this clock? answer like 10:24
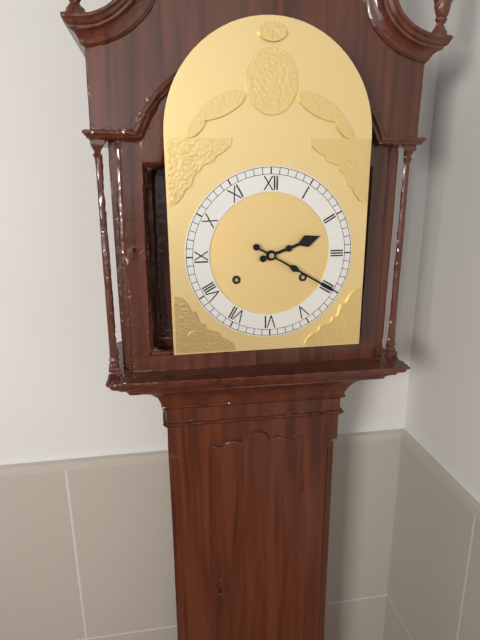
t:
2:20
